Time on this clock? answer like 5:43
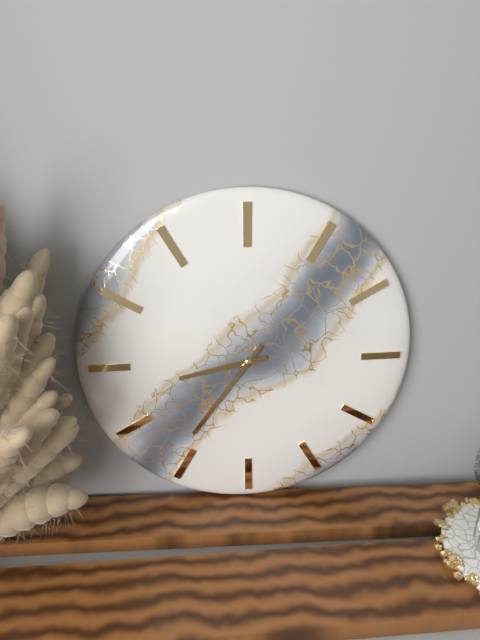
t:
8:36
